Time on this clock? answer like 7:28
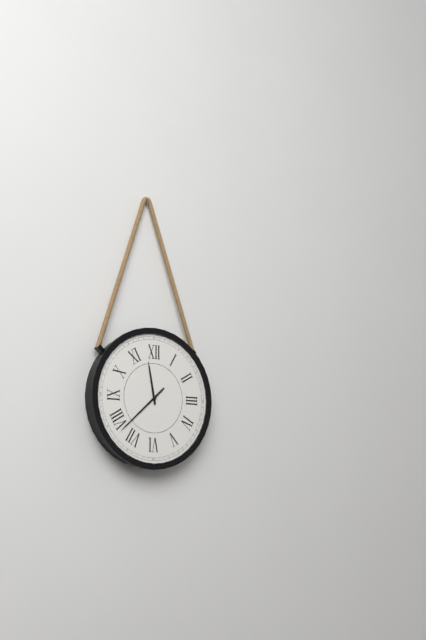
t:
11:38
